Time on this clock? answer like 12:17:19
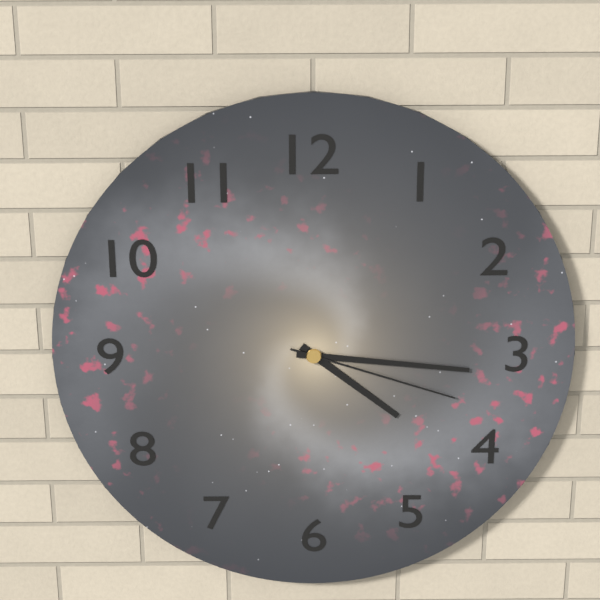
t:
4:16:18
